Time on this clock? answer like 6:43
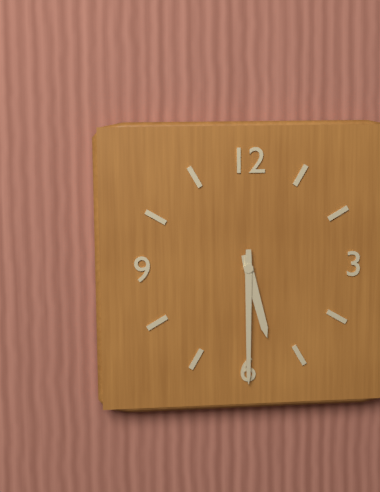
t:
5:30
